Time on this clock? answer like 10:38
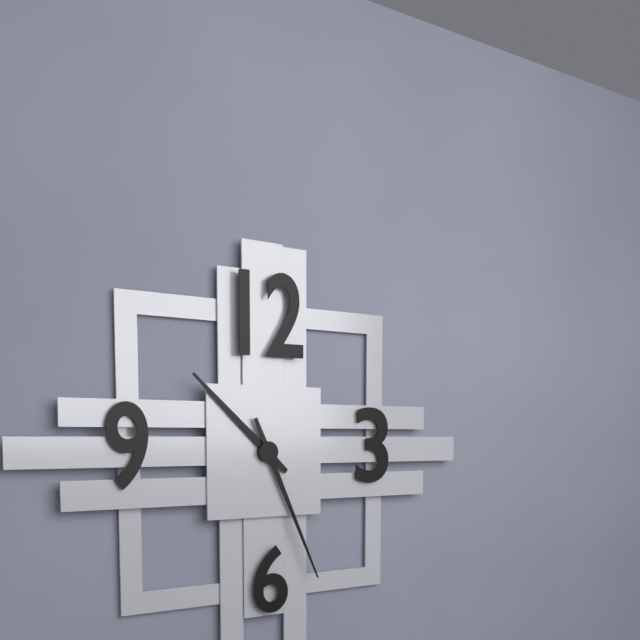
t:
10:26
